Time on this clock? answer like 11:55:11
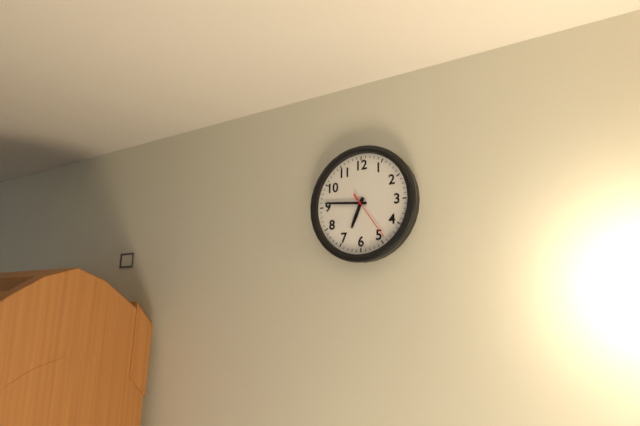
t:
6:46:24
